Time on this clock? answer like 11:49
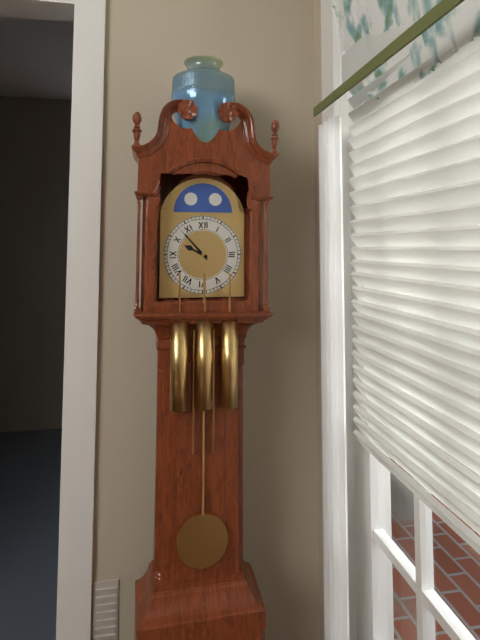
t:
9:53
